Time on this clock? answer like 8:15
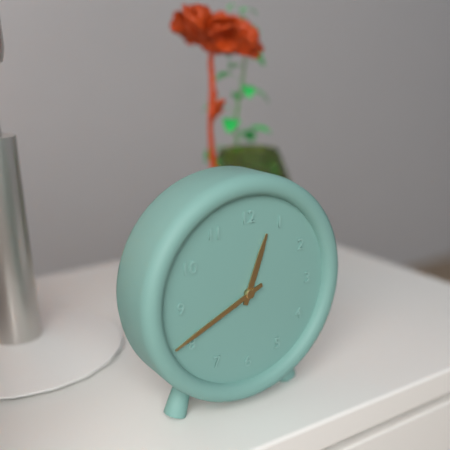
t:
12:41
